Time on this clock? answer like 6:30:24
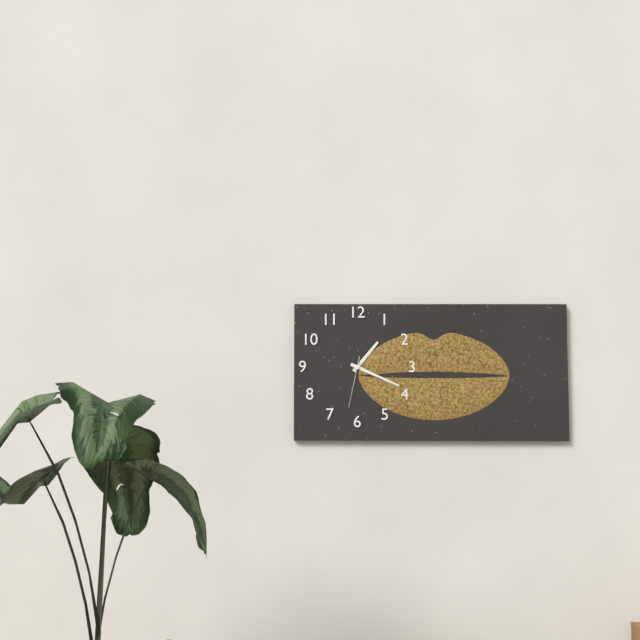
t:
1:19:32
